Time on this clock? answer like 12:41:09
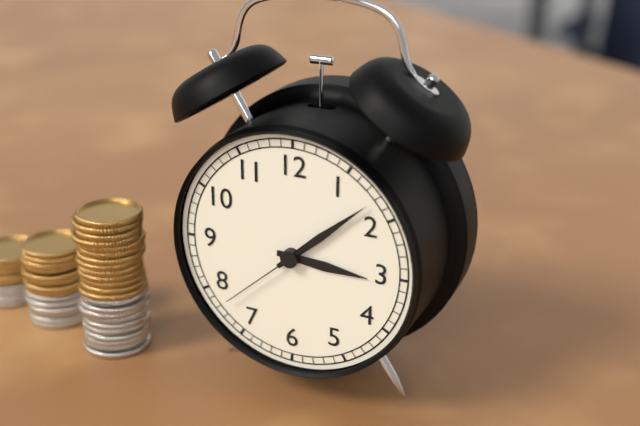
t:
3:08:38
